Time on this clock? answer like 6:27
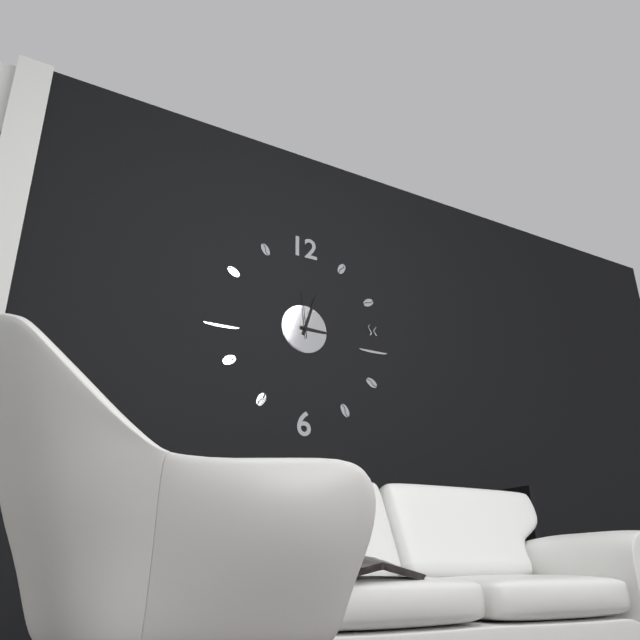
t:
3:03
